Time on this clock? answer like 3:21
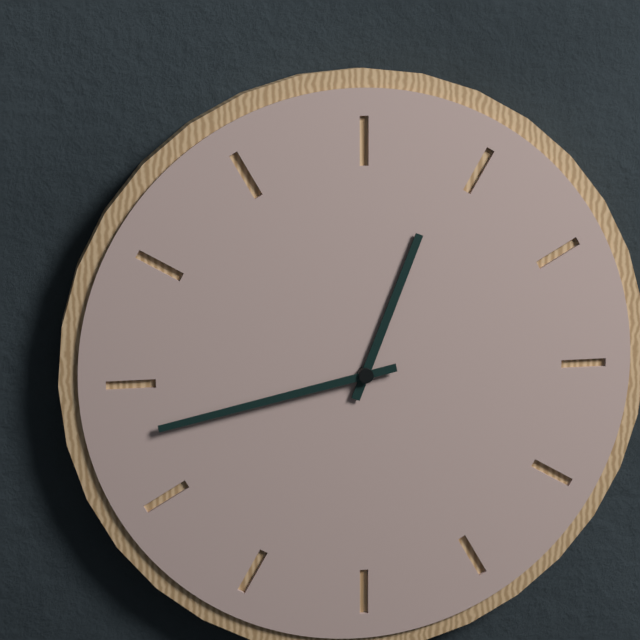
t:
12:43
